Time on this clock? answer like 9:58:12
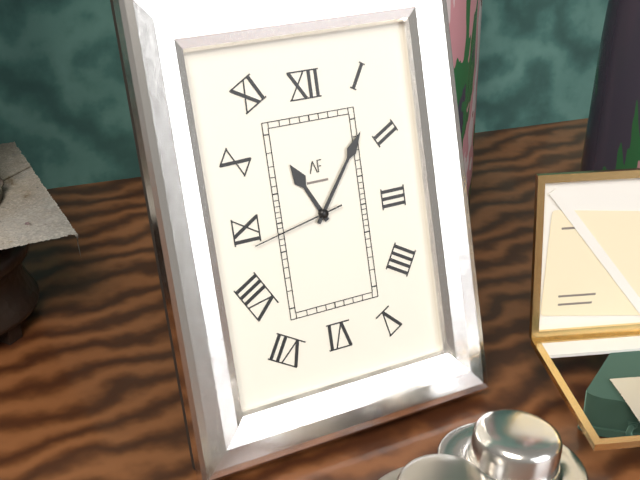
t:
11:06:43
